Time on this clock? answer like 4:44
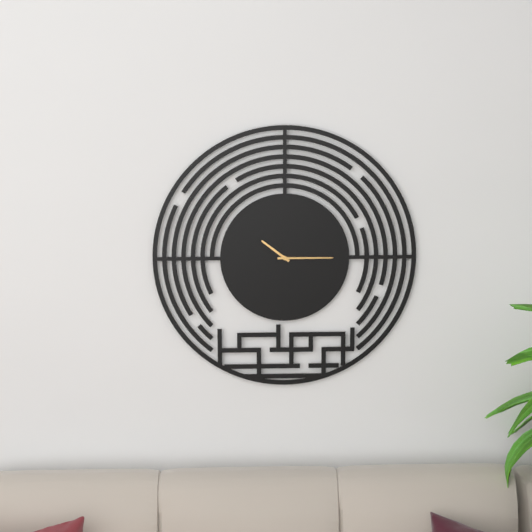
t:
10:15
